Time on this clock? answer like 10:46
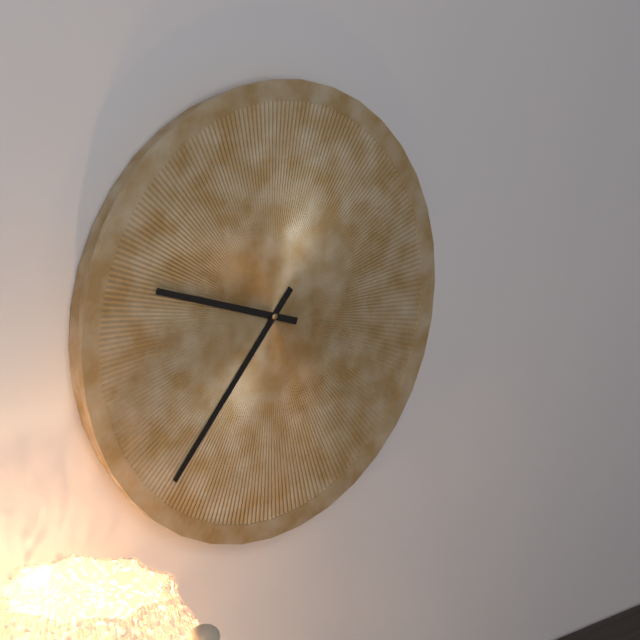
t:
9:37
